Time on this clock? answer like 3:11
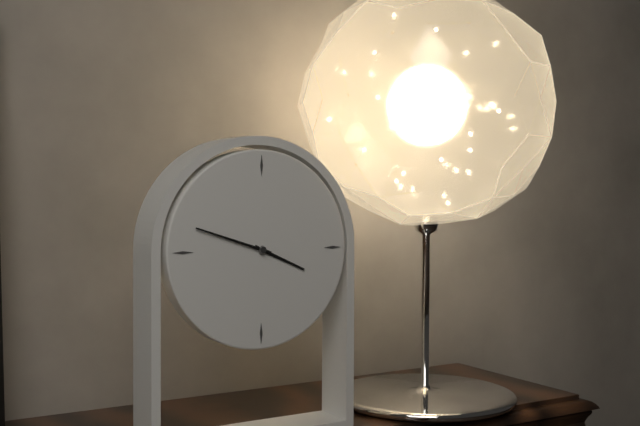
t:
3:48
